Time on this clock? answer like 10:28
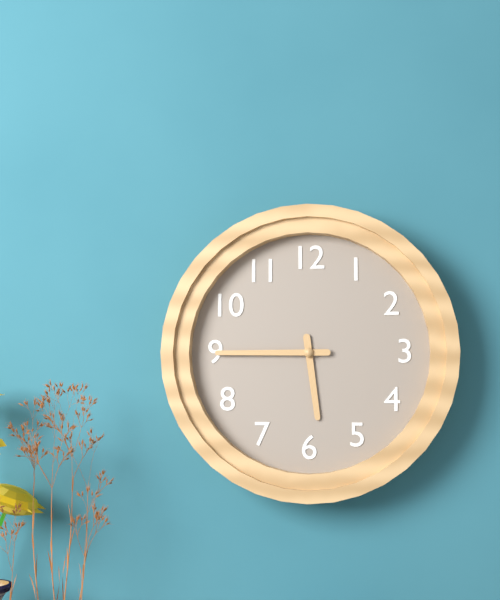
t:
5:45
